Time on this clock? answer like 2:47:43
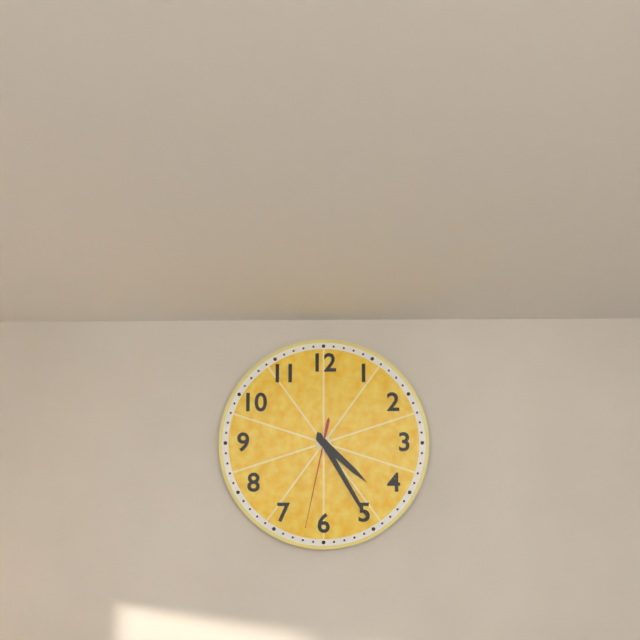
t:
4:25:32
